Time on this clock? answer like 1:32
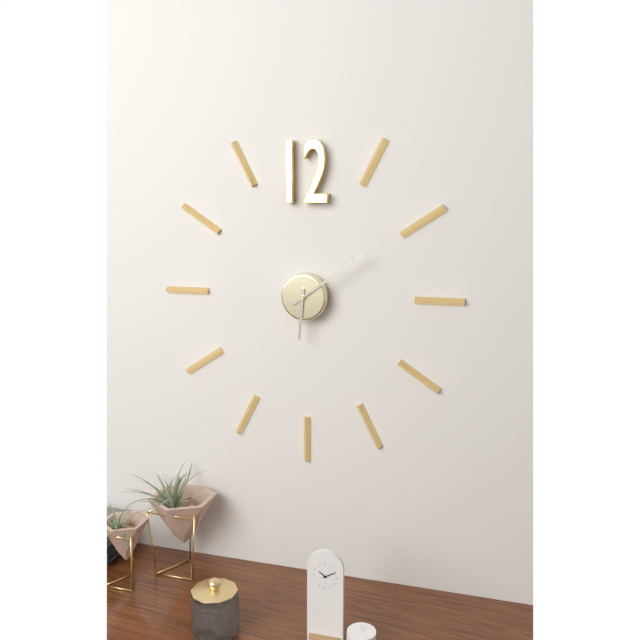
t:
6:09
